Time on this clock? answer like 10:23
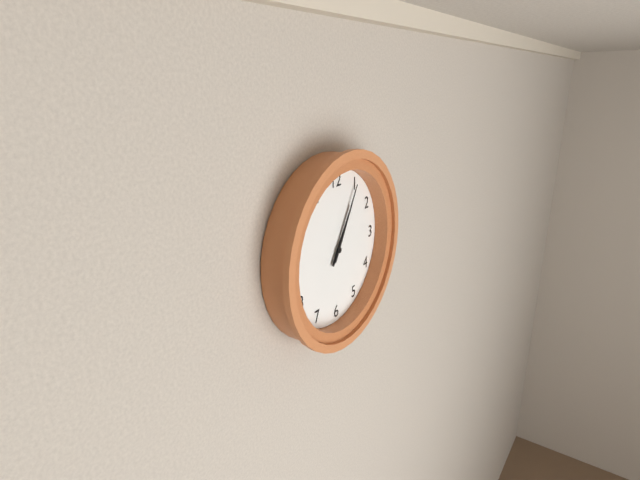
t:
1:05
